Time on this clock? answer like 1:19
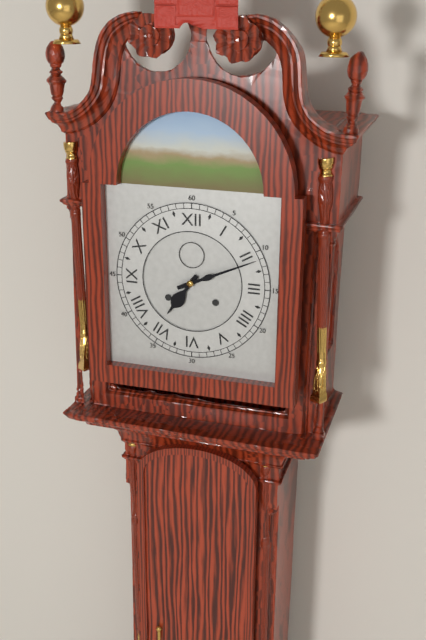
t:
7:11
